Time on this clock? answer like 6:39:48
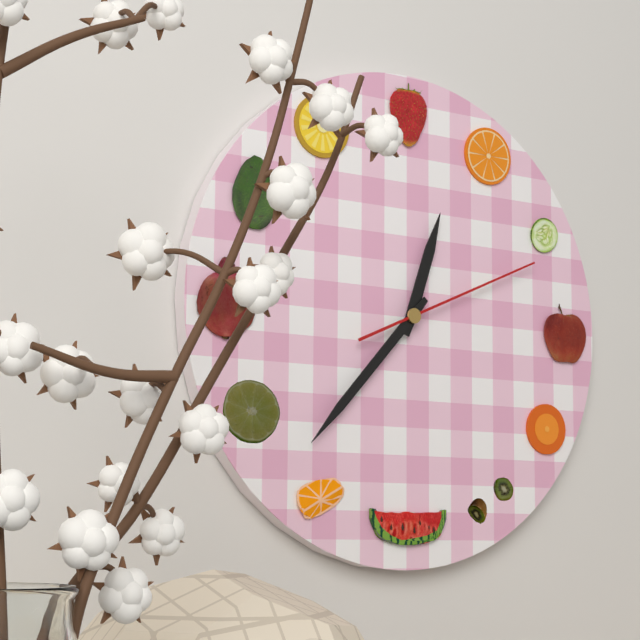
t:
12:37:11
